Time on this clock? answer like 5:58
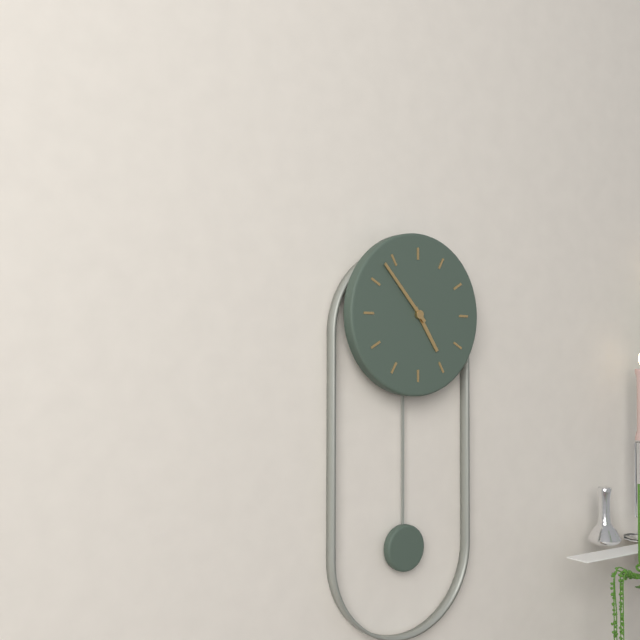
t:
4:53
